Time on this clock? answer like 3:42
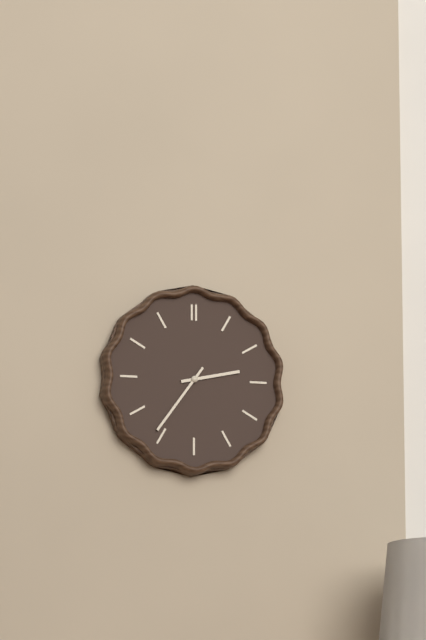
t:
2:36
